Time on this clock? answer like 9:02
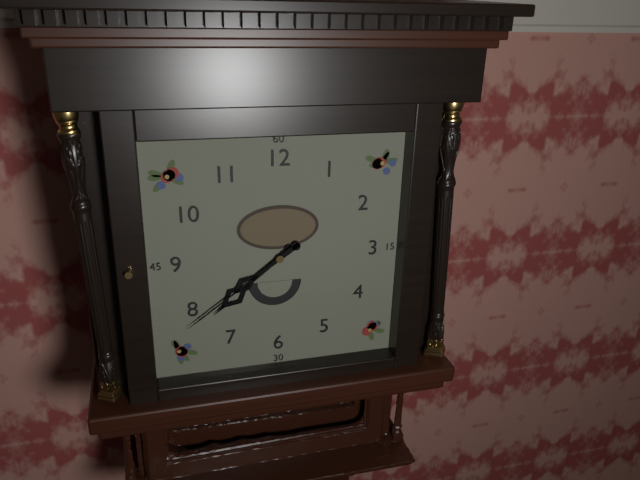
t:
7:39
